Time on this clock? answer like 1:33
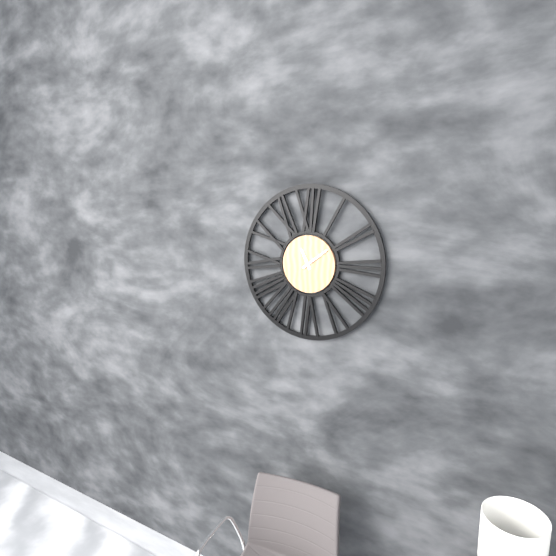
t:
11:09
